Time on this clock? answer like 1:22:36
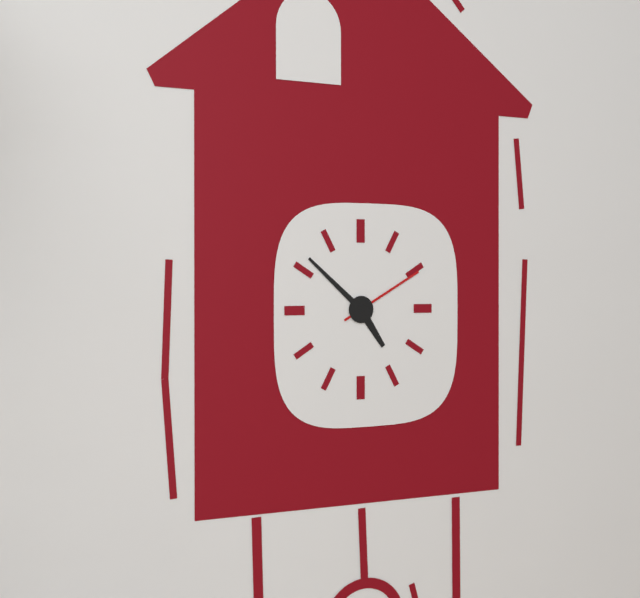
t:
4:52:10
